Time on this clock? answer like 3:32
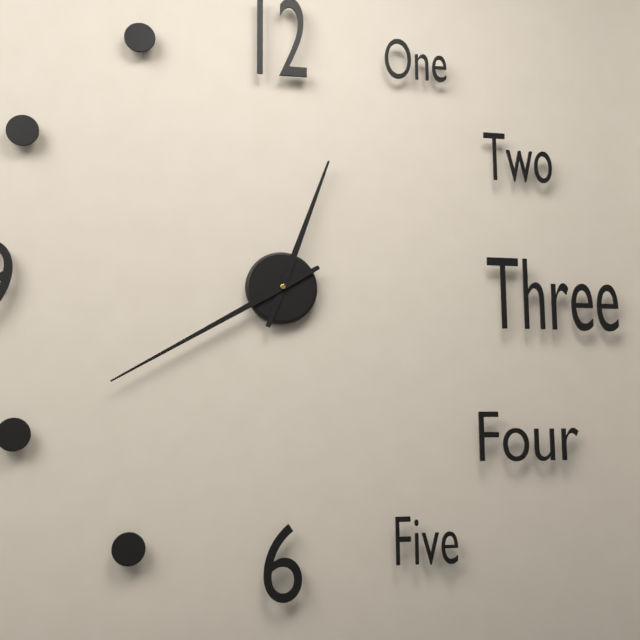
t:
12:40
